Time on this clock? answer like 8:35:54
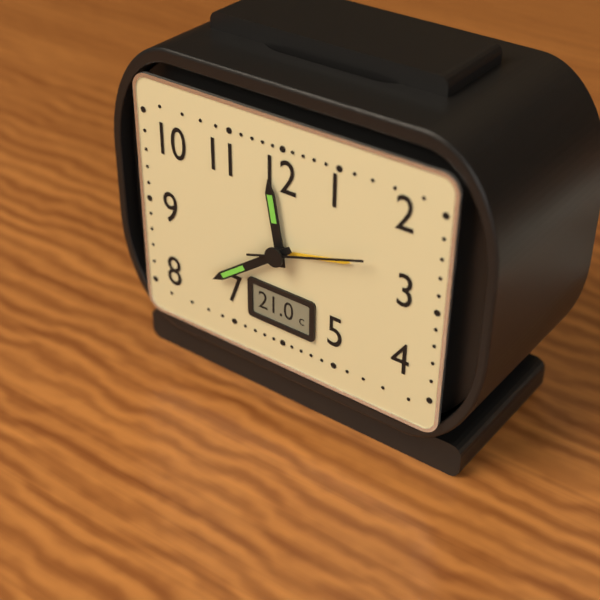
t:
11:39:12
